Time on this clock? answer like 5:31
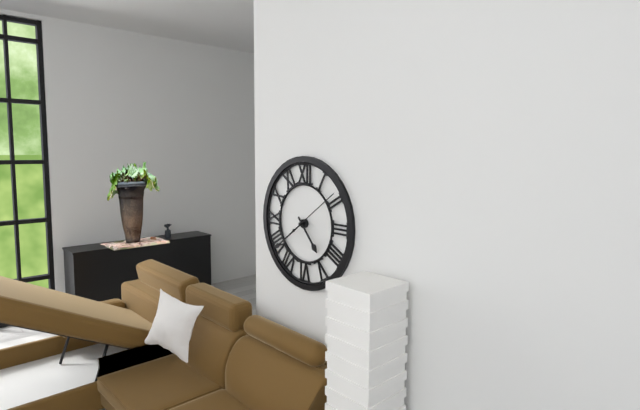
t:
4:39
